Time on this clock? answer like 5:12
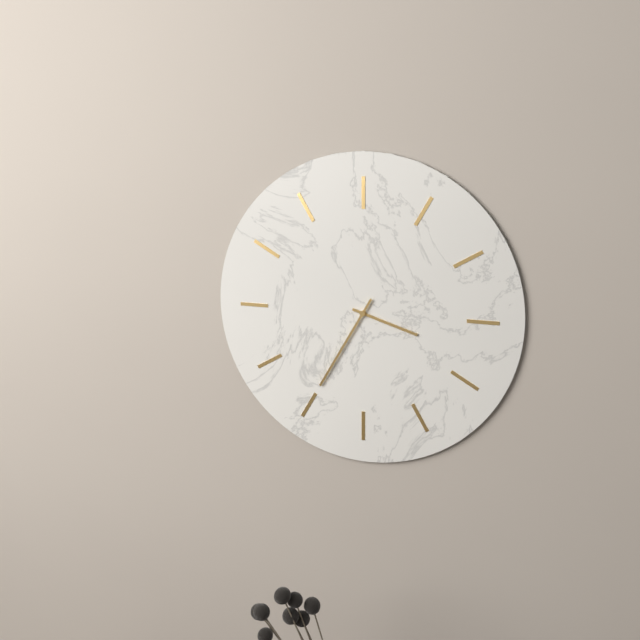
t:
3:35
